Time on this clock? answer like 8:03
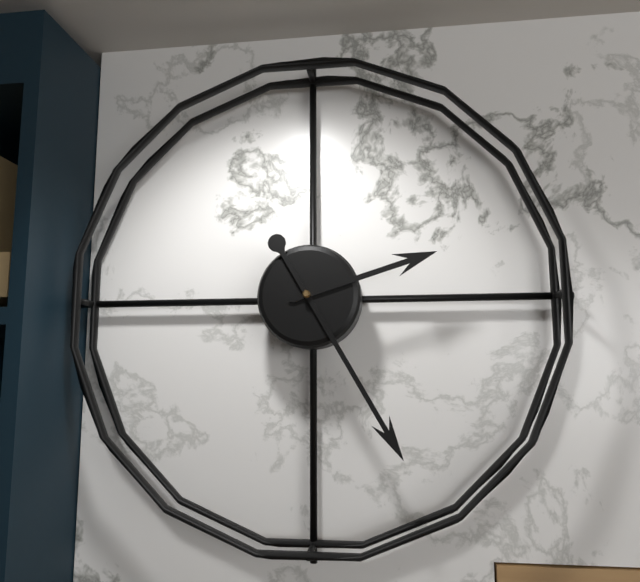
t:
2:25
